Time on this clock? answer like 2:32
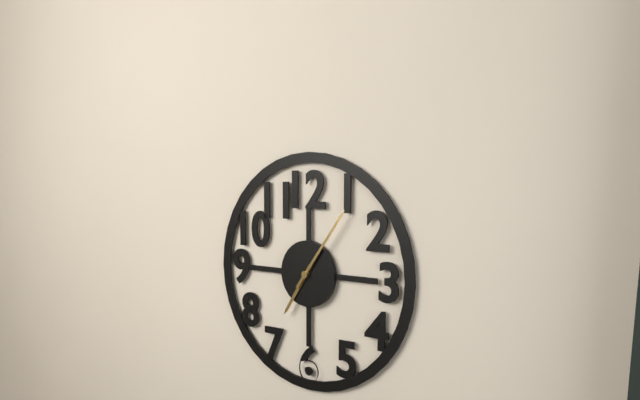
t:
7:06
